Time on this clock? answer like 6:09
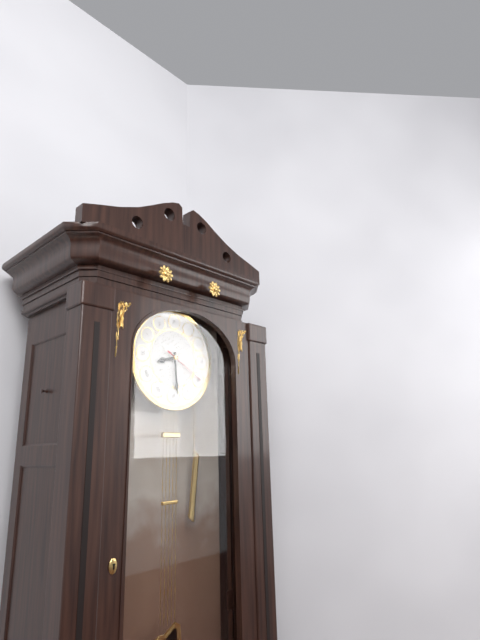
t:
8:29
